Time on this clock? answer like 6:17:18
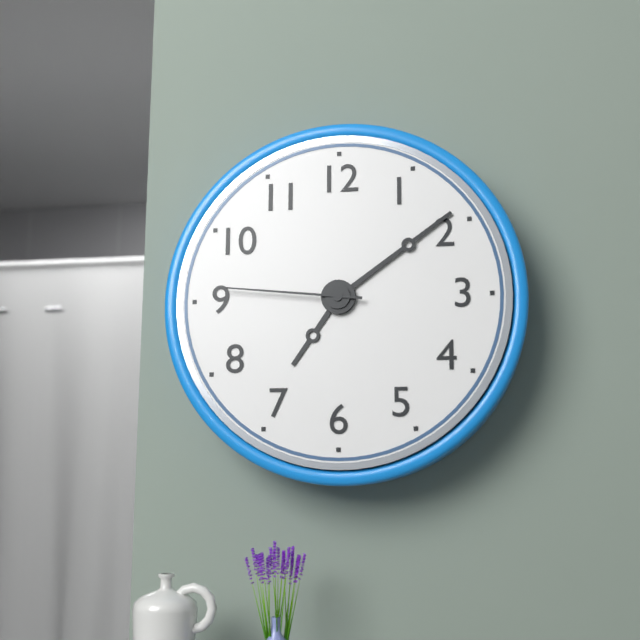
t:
7:09:46
